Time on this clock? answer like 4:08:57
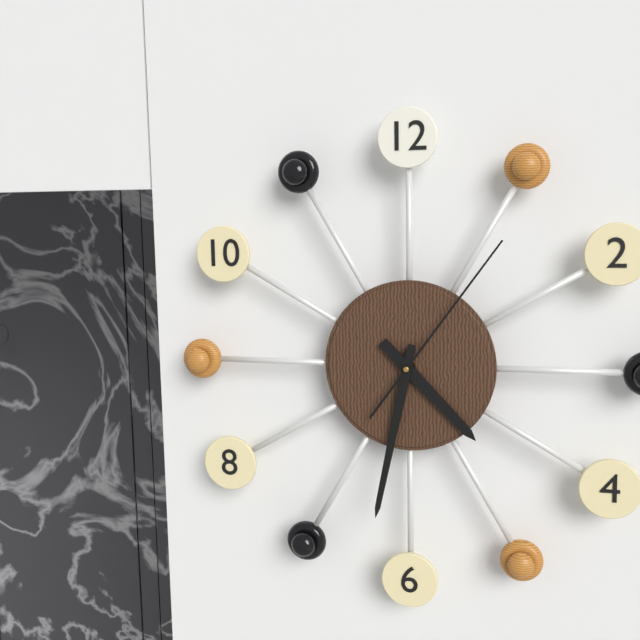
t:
4:32:06
